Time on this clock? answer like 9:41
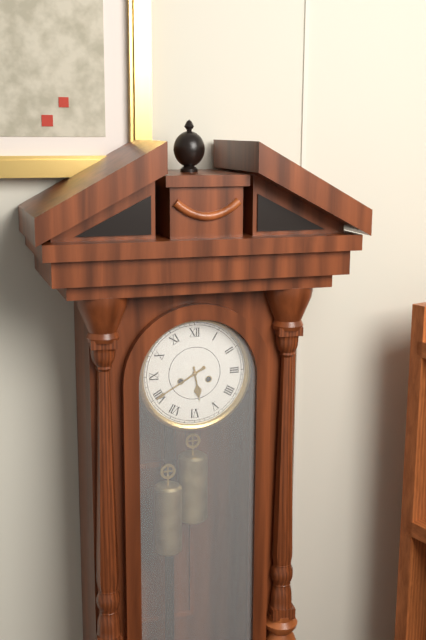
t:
5:40
